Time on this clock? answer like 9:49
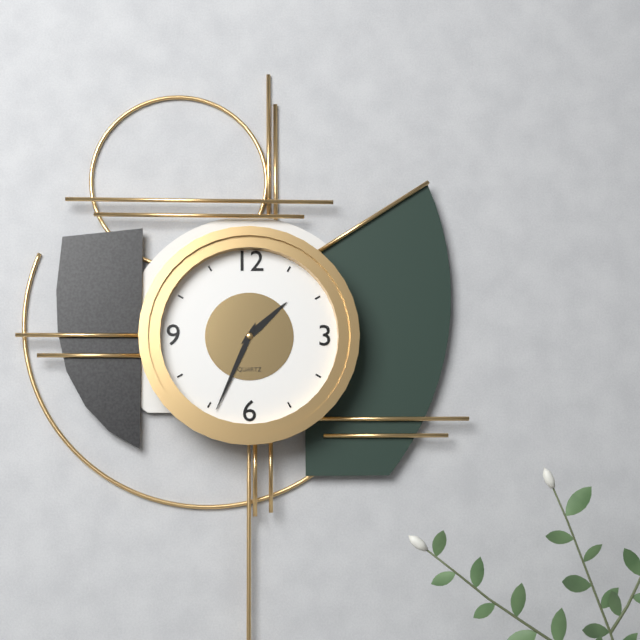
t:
1:34
